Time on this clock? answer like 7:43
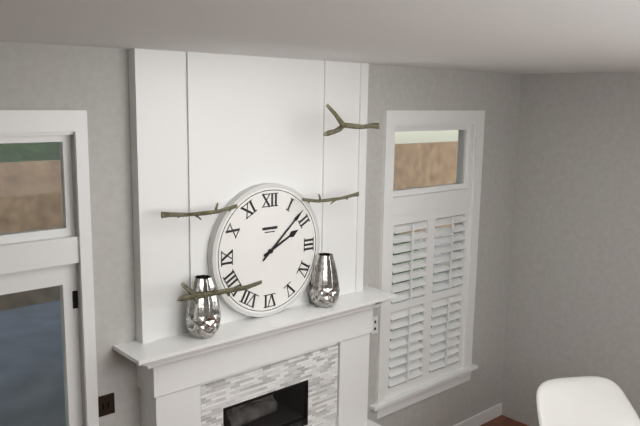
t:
2:08
